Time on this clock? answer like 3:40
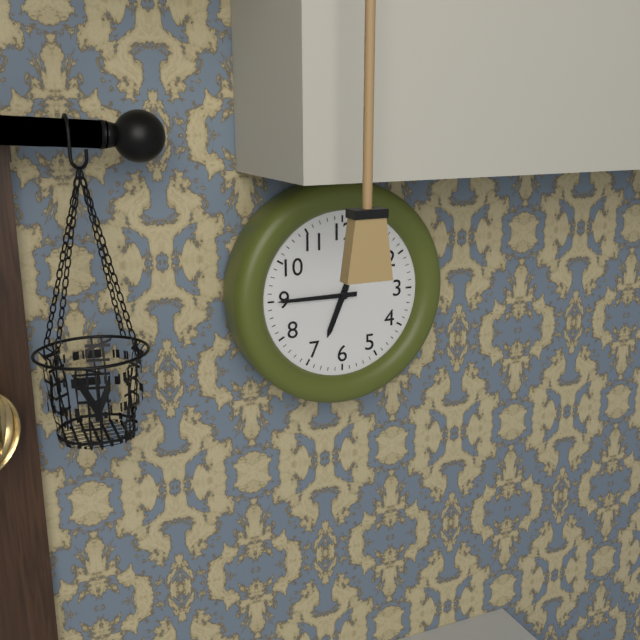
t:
6:45
